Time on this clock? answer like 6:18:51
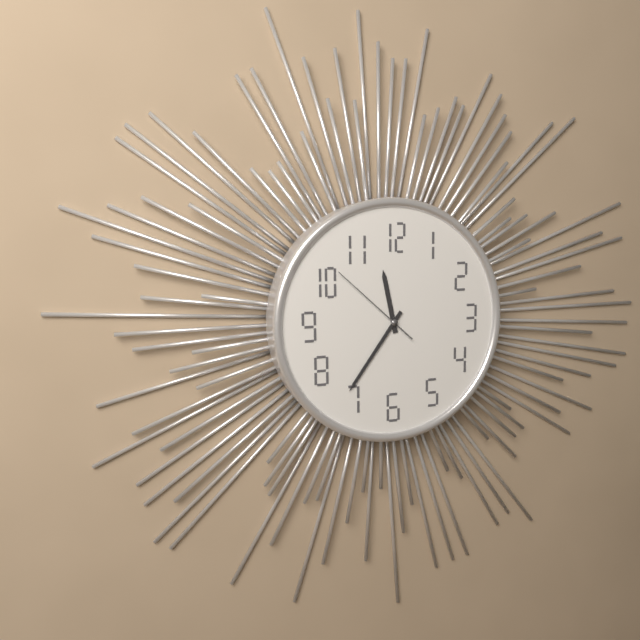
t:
11:36:52
